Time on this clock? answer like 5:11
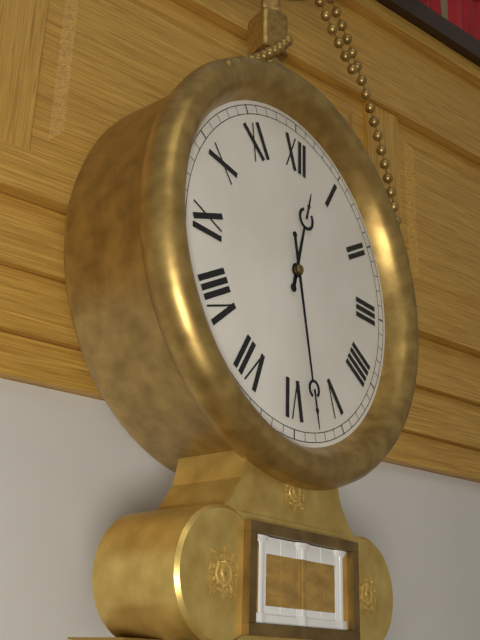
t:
12:28
